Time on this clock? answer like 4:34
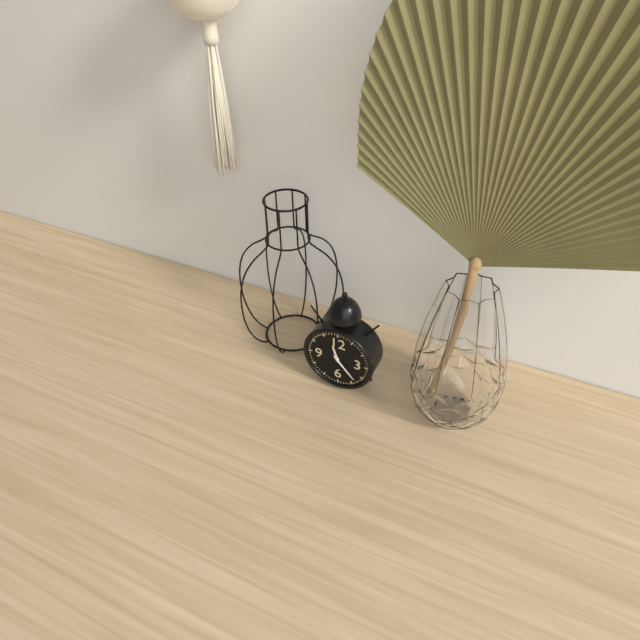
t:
11:23
